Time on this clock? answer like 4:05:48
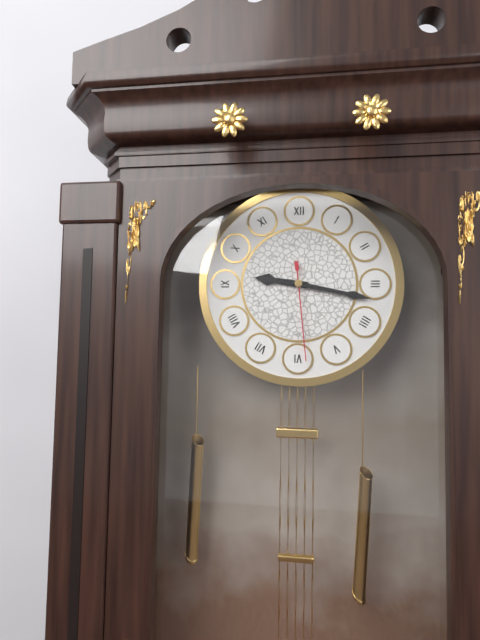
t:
9:17:29
